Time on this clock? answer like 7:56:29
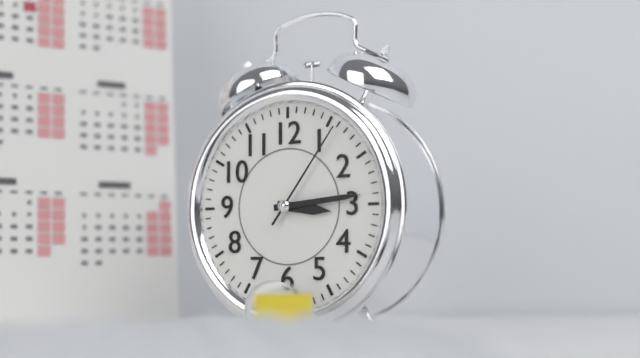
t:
3:14:06
